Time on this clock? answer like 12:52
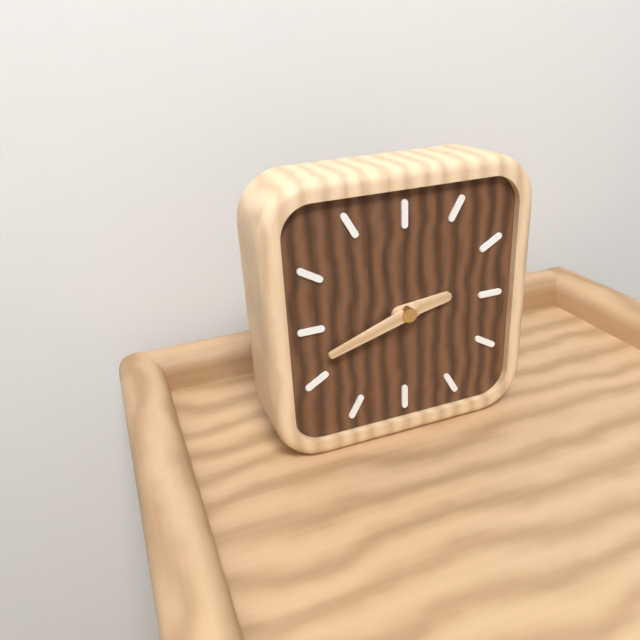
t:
2:42
